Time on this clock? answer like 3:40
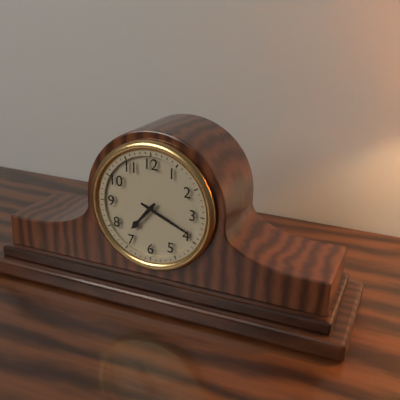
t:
7:19
